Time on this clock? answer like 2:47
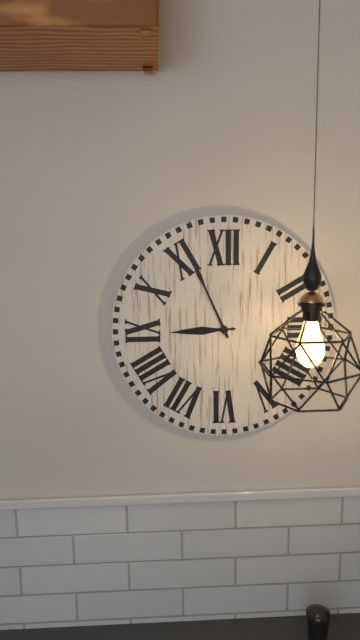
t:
8:56
